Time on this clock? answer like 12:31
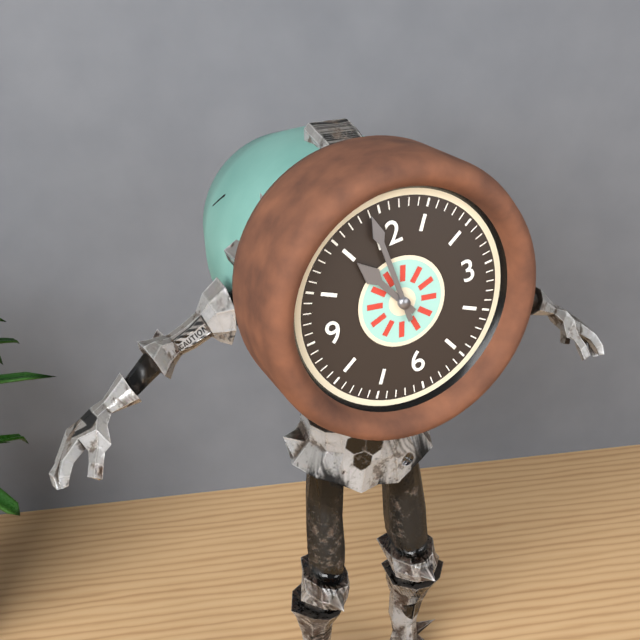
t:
10:59
